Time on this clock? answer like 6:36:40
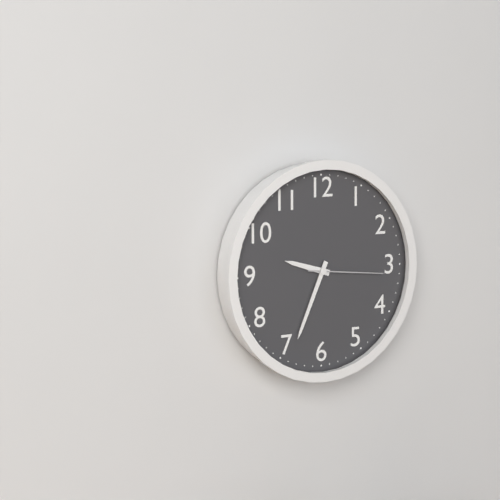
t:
9:34:16
